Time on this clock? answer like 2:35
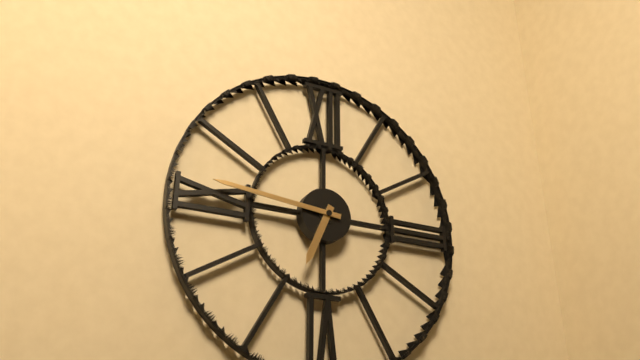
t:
6:46
